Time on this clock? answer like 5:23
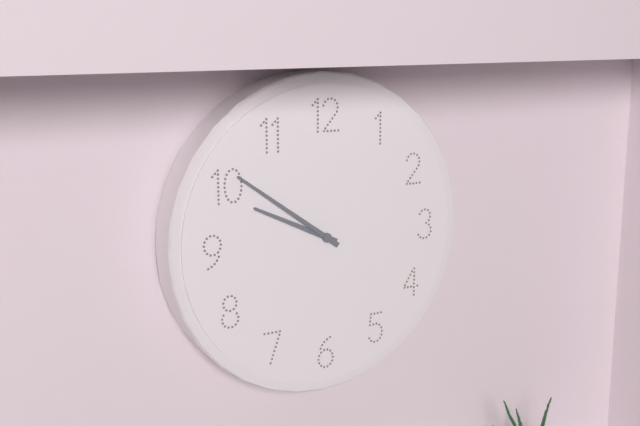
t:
9:51
